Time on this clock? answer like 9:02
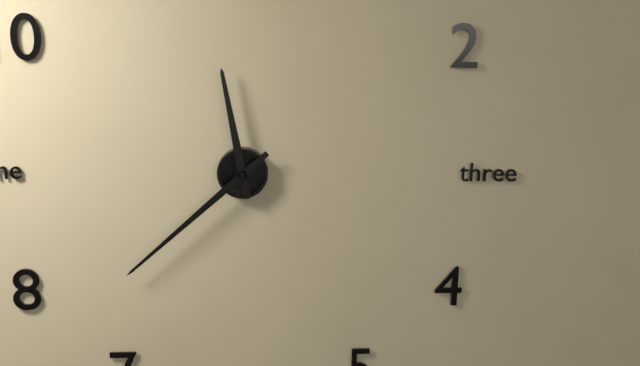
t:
11:38
